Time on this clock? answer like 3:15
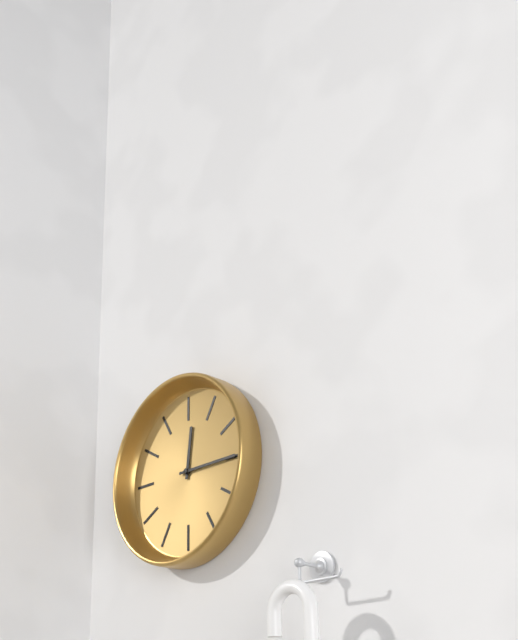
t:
12:15
